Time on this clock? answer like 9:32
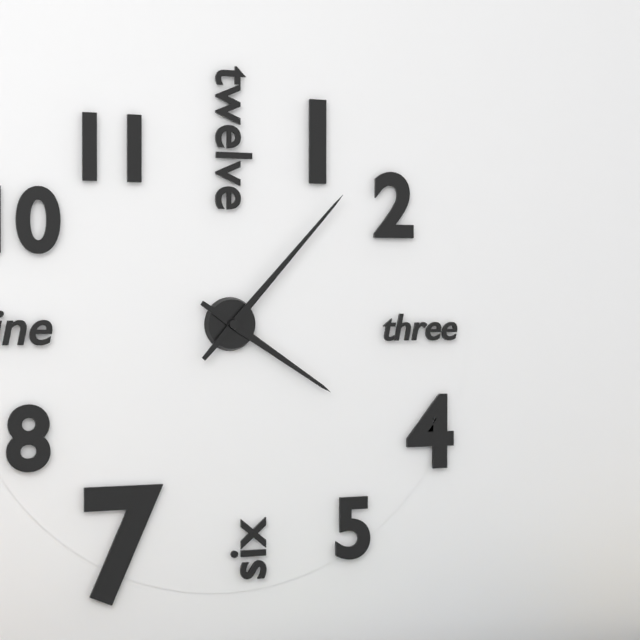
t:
4:07
